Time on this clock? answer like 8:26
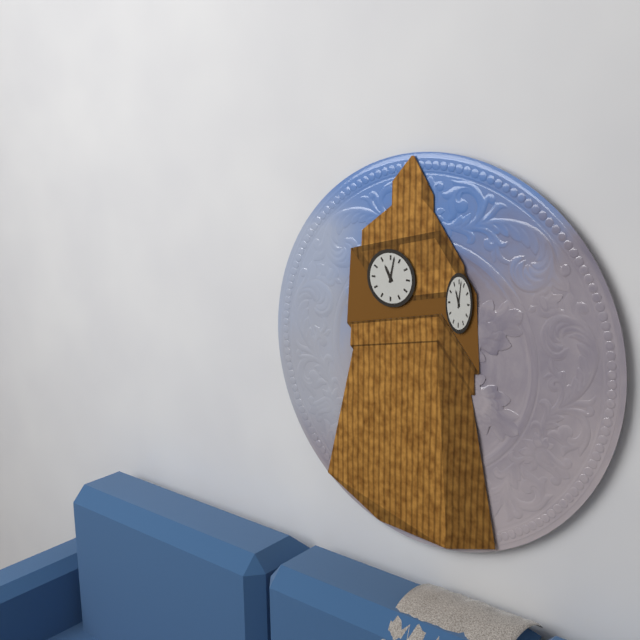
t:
11:02
